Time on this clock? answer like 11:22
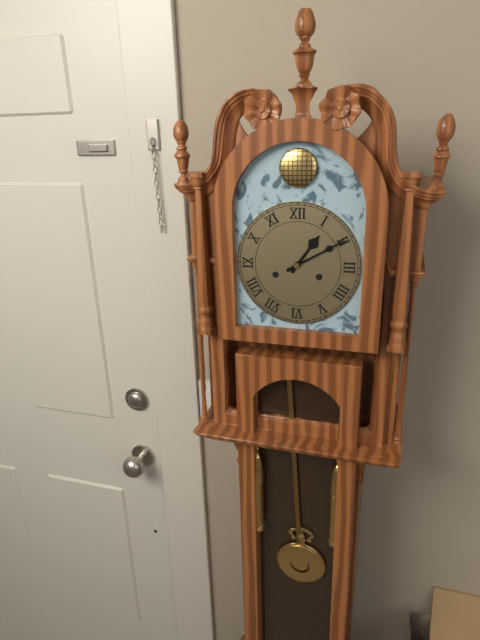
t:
1:10
